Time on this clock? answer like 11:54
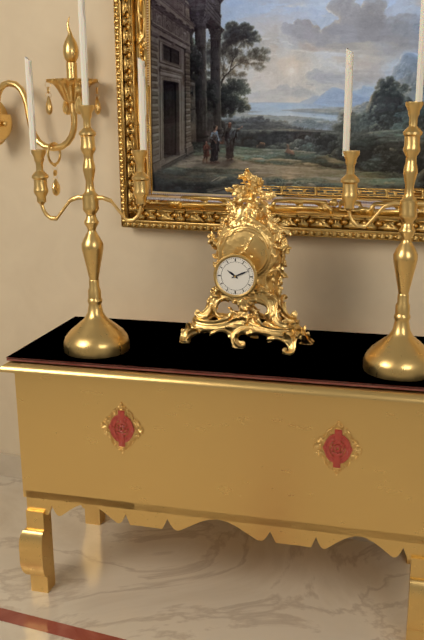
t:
10:11
